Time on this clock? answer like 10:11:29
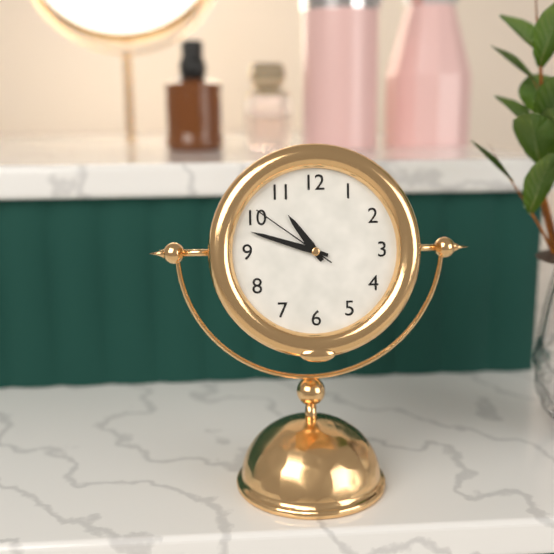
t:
10:48:51
